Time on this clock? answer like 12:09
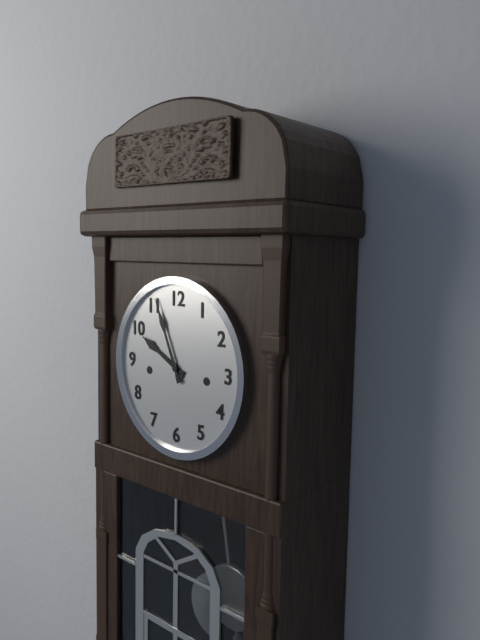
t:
9:56
